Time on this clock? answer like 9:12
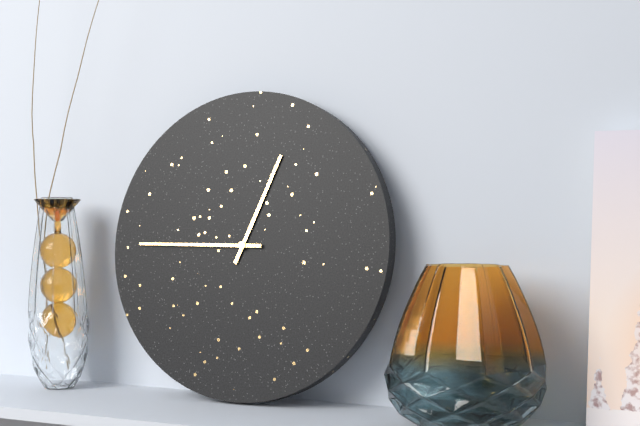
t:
12:45
